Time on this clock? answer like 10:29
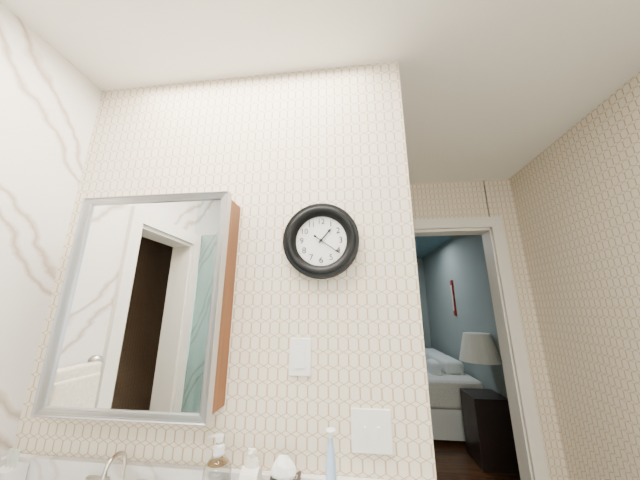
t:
1:21
